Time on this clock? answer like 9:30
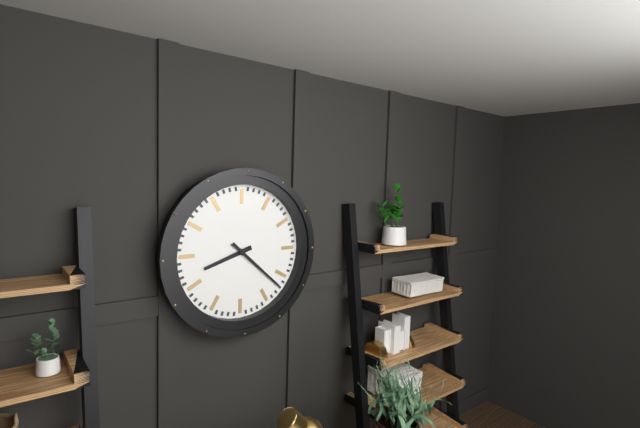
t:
8:22
